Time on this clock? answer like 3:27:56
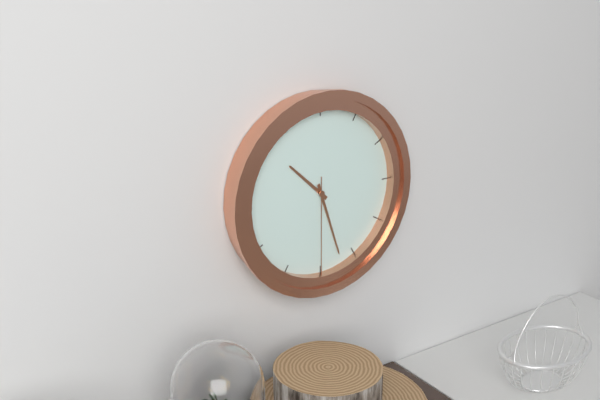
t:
10:27:30
